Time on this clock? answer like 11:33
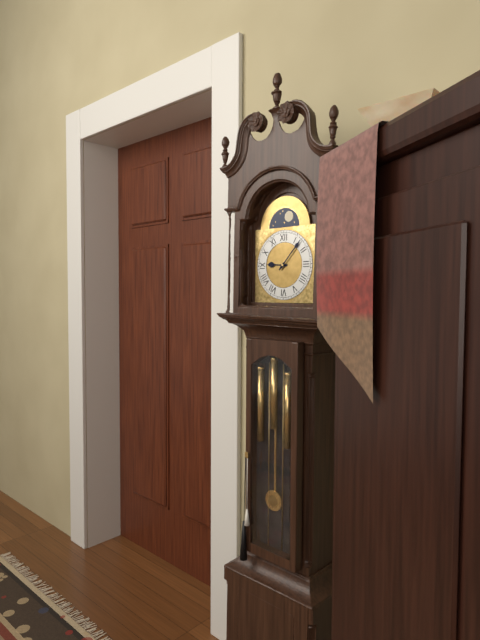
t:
9:07
